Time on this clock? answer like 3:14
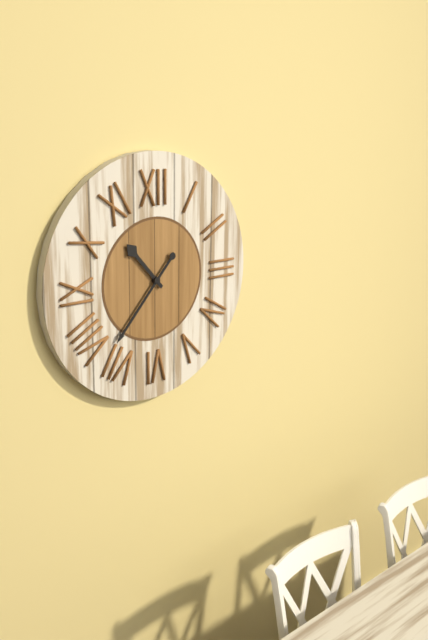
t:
10:37
